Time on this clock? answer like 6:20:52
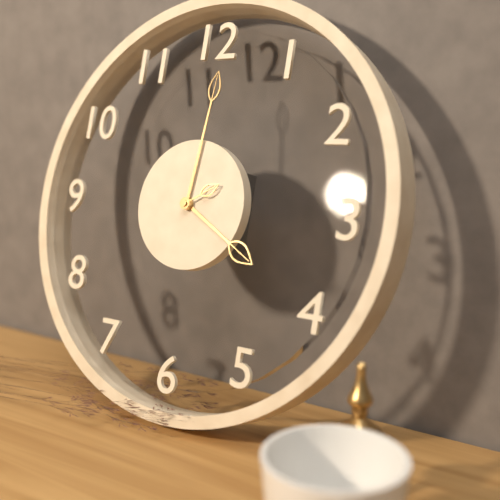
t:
4:01:10
